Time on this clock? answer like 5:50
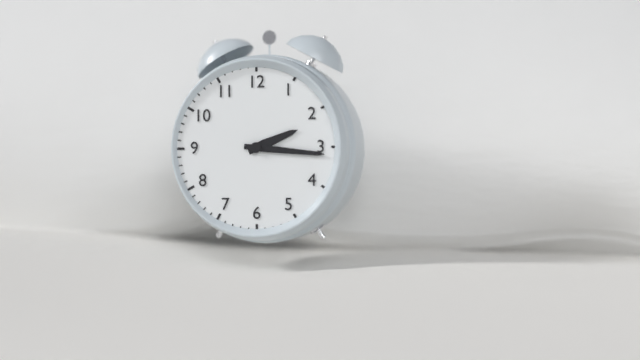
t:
2:16
